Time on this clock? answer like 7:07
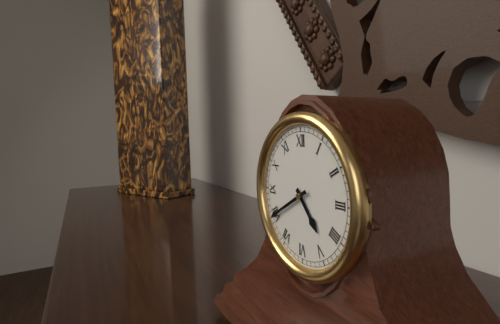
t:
4:40
